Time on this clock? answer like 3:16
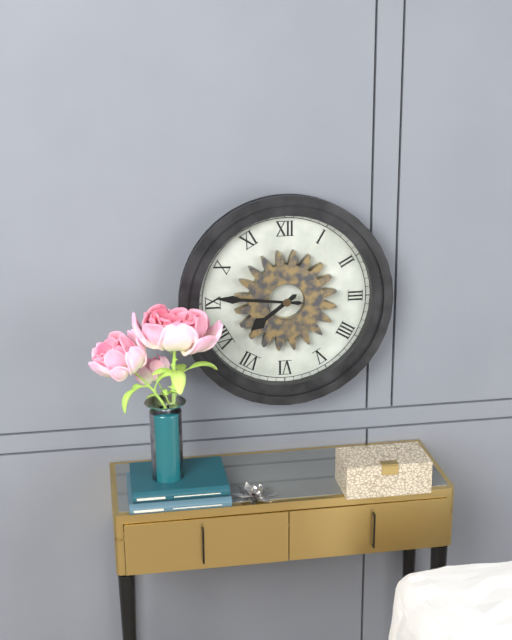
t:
7:46
